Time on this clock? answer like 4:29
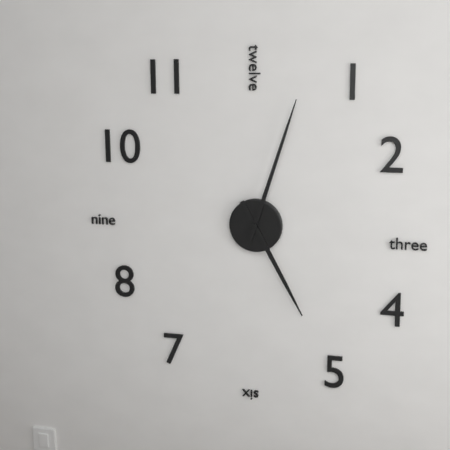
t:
5:03
